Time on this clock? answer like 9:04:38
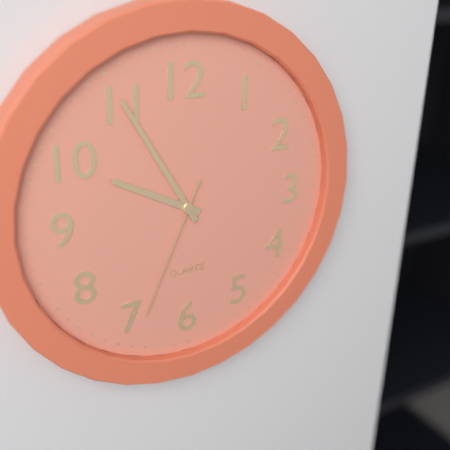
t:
9:55:34
